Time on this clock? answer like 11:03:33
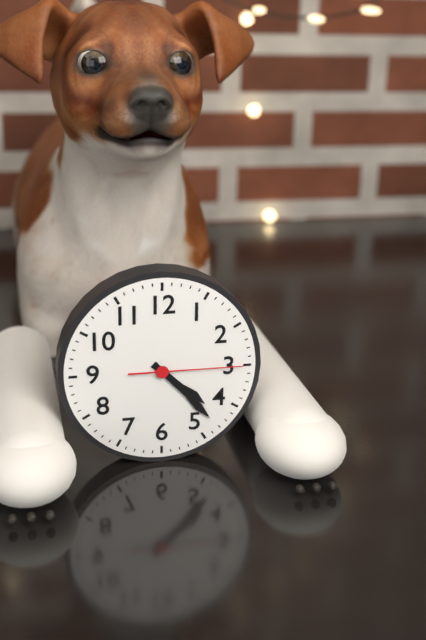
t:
4:23:15
